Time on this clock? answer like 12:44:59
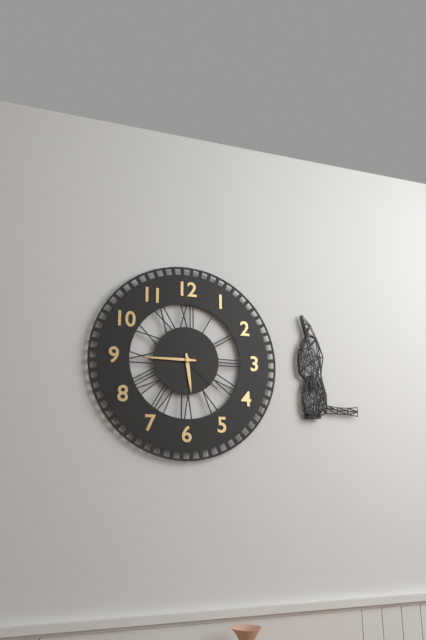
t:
5:45:22
